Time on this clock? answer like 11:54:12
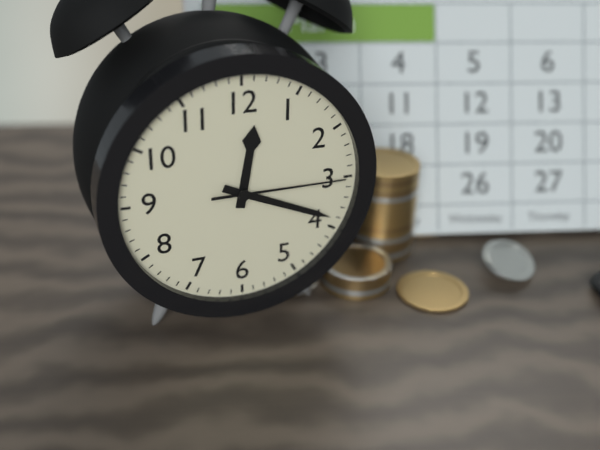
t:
12:19:15
